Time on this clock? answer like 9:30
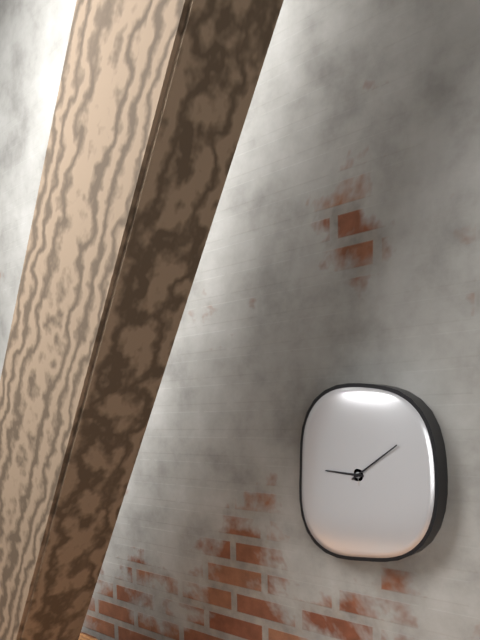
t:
9:09
